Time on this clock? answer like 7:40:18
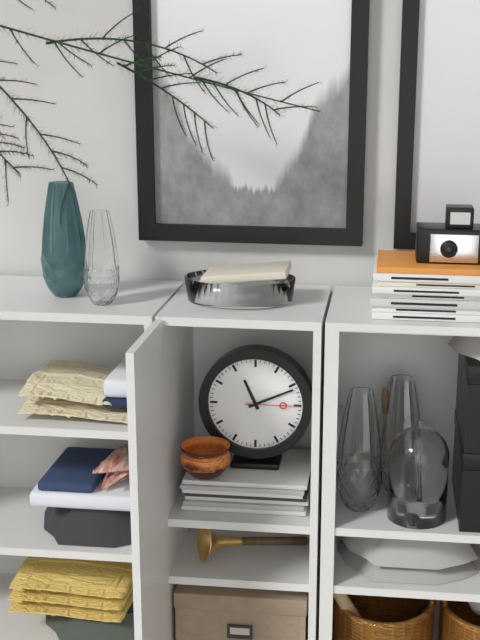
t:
11:11:15
